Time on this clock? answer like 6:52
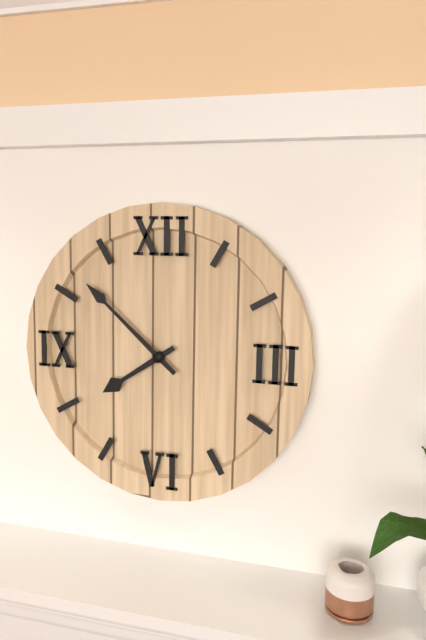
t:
7:52
